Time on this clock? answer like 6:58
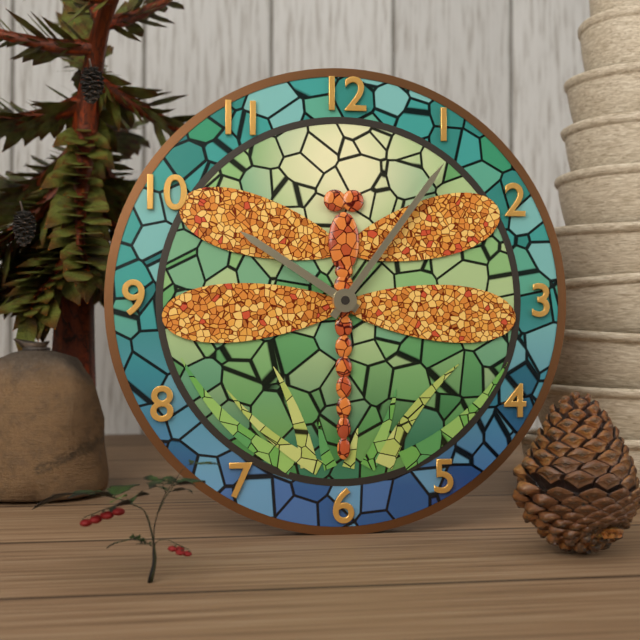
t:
10:06
